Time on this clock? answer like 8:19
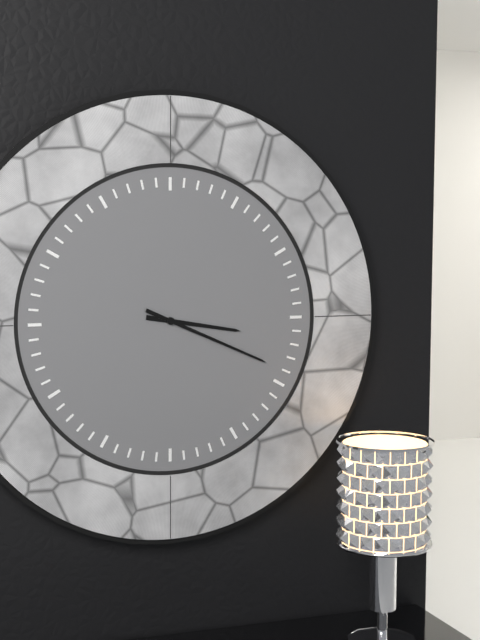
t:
3:19
